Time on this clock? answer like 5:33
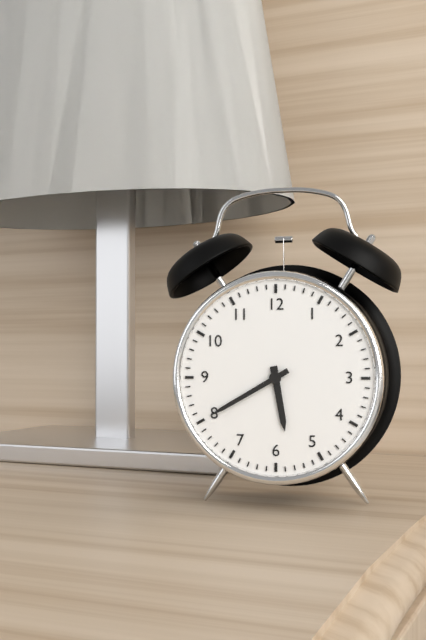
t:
5:40
